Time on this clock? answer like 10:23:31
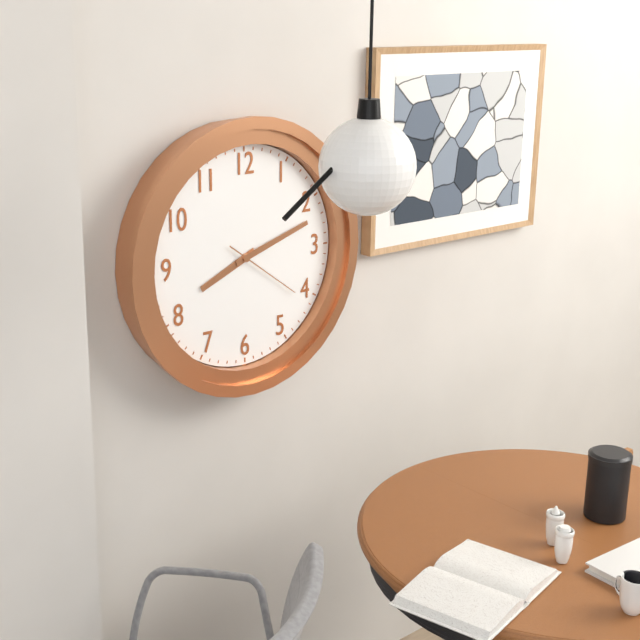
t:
8:12:21
